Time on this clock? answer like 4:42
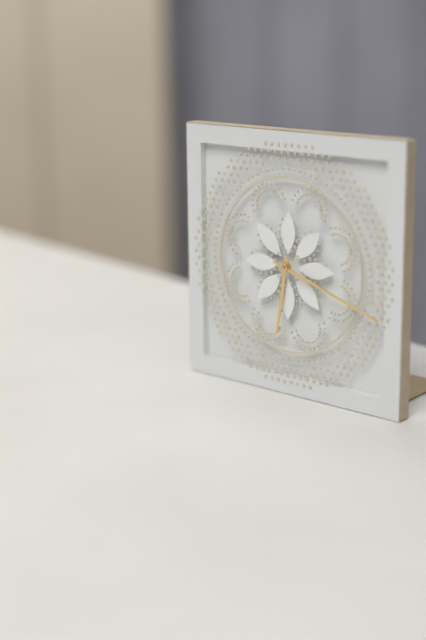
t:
6:18
